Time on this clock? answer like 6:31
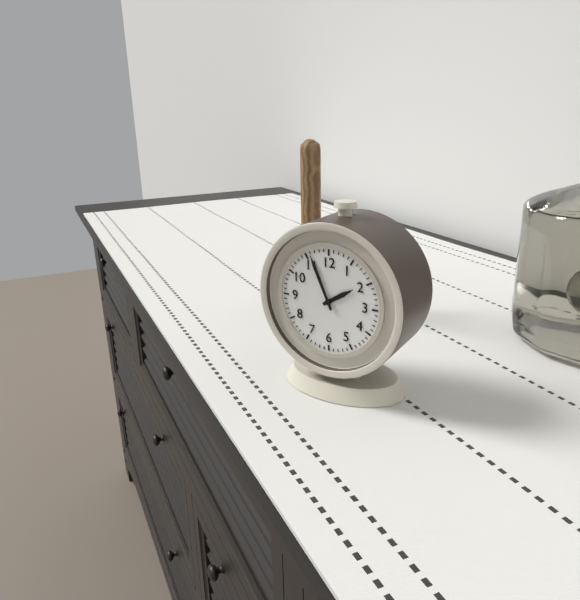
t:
1:56
